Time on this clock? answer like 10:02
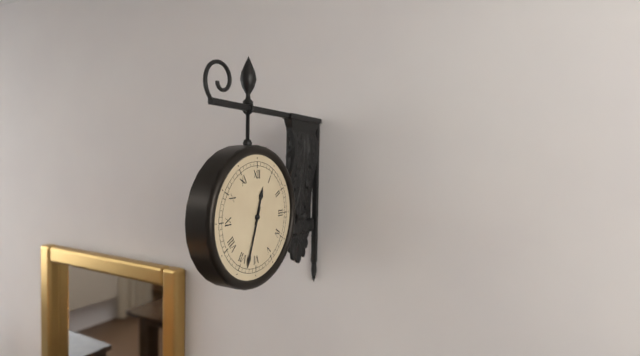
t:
12:33
